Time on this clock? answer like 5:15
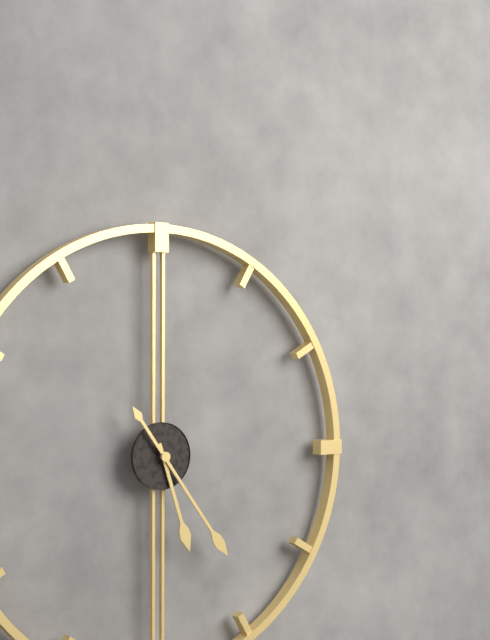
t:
5:24
